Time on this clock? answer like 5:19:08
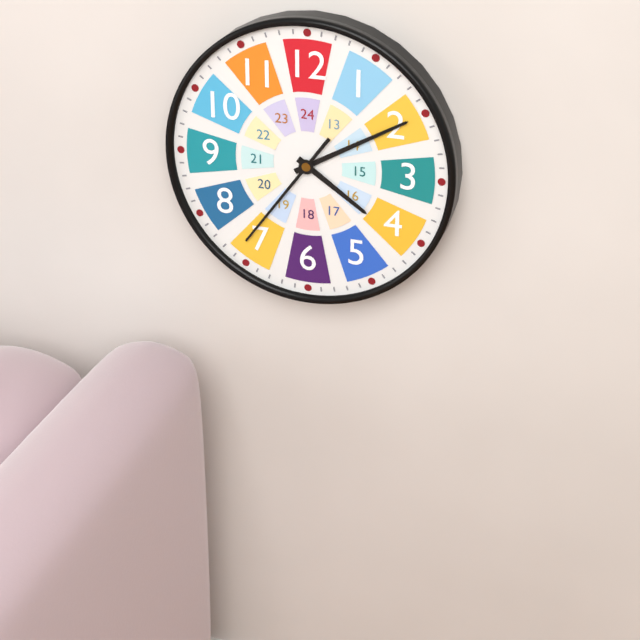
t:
4:10:36
